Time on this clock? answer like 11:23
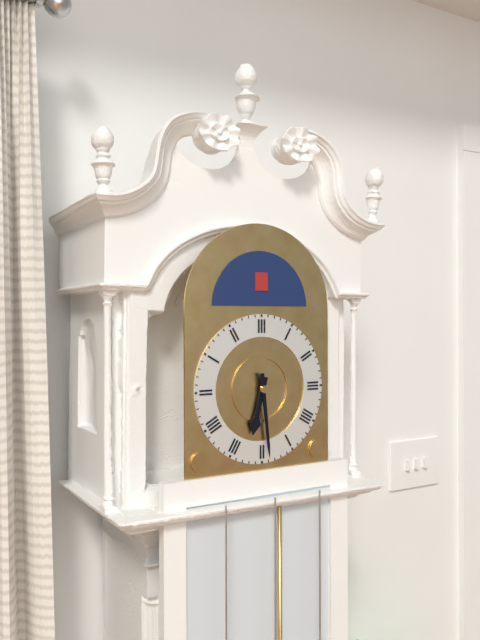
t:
6:29
